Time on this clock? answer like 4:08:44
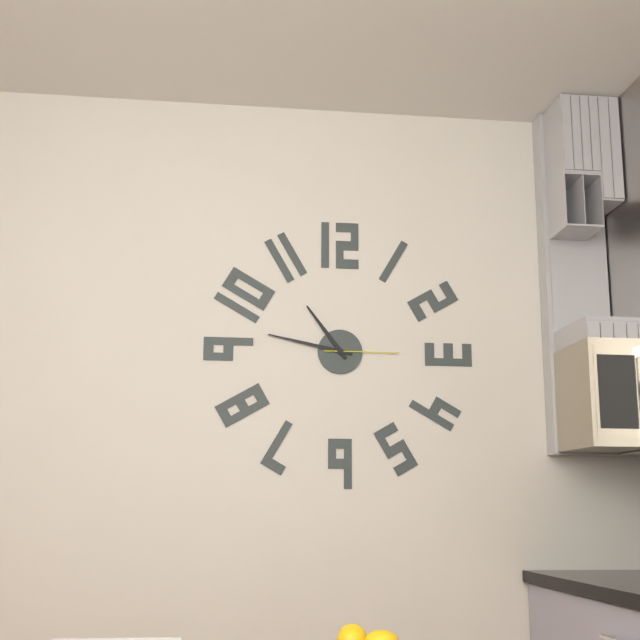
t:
10:47:15
